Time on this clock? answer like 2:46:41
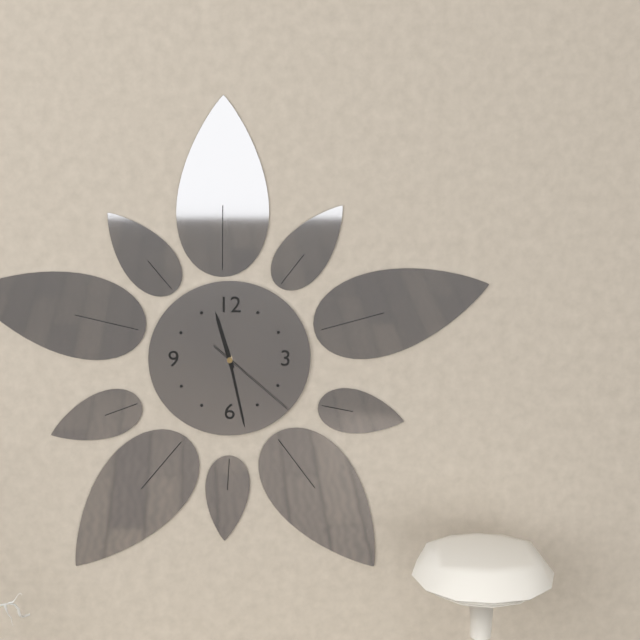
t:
11:28:22
